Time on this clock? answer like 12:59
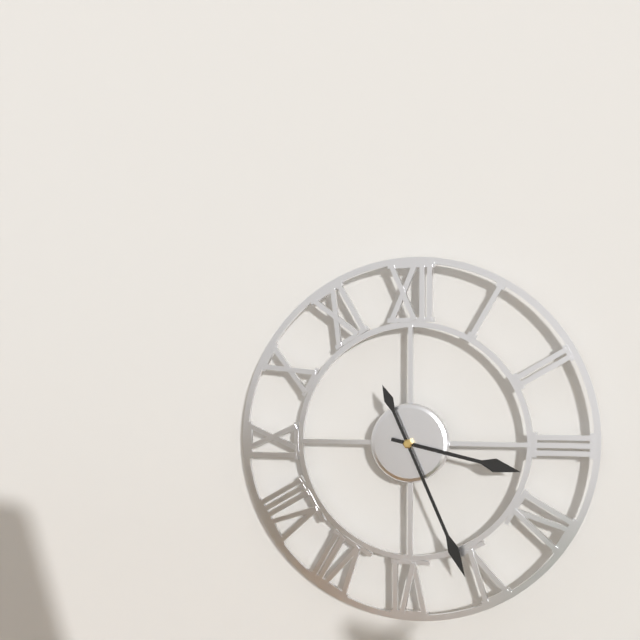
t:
3:26
